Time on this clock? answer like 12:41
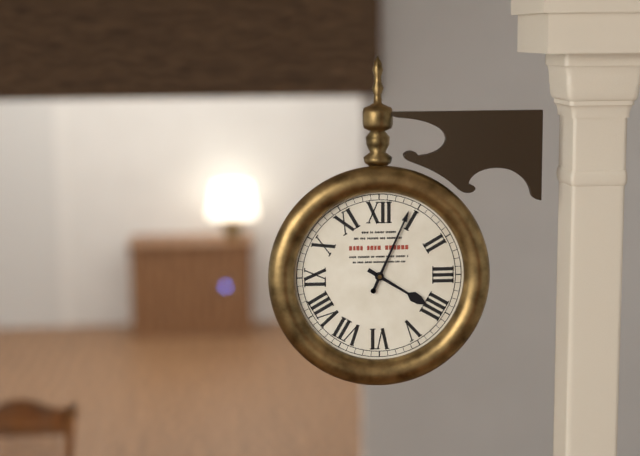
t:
4:04
